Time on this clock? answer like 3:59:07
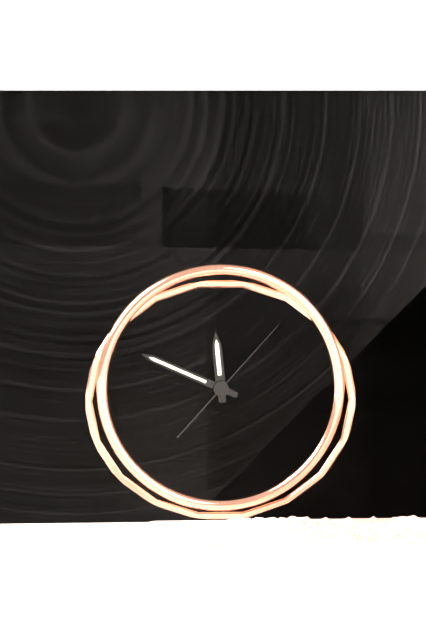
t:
11:49:07
